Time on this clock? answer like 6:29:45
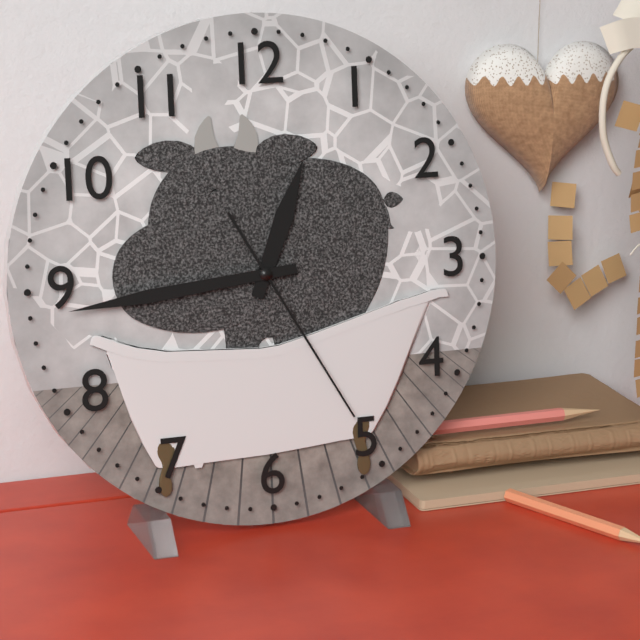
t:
12:44:25
